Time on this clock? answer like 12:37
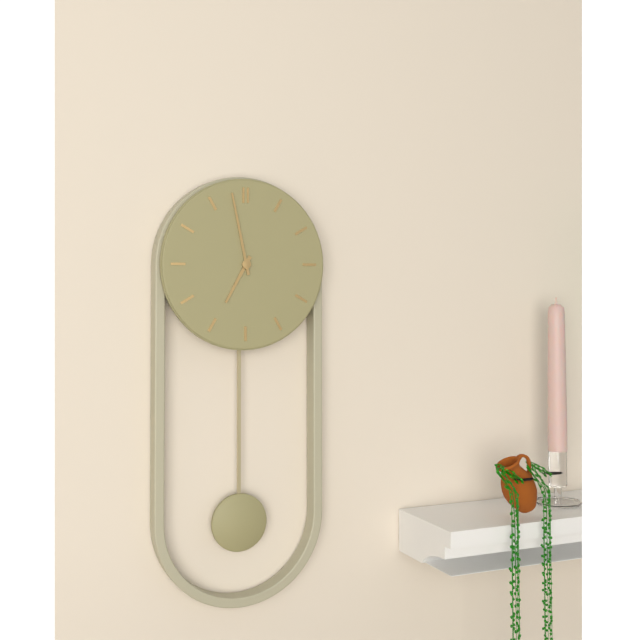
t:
6:58
